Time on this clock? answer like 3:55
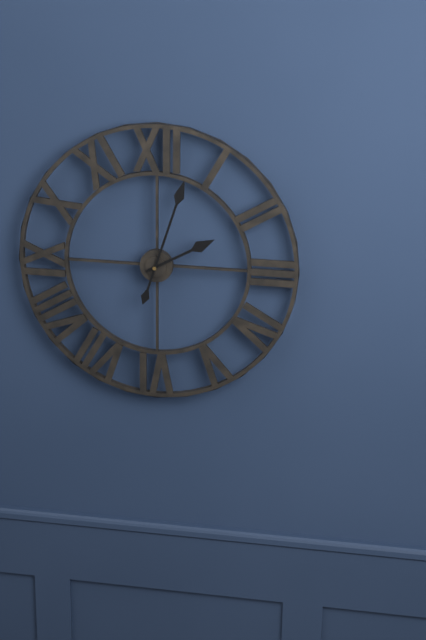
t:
2:03
